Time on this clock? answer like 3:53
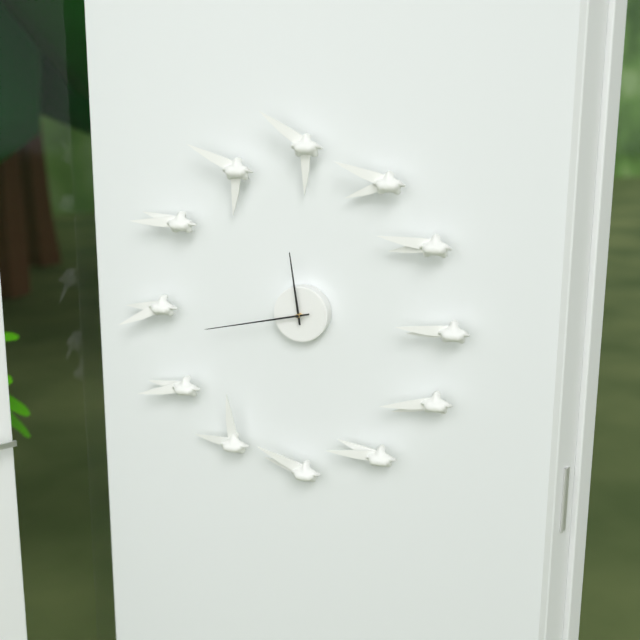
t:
11:43
